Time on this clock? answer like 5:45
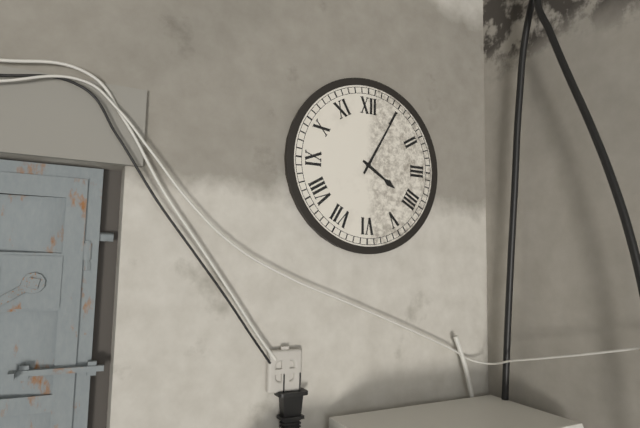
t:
4:05
